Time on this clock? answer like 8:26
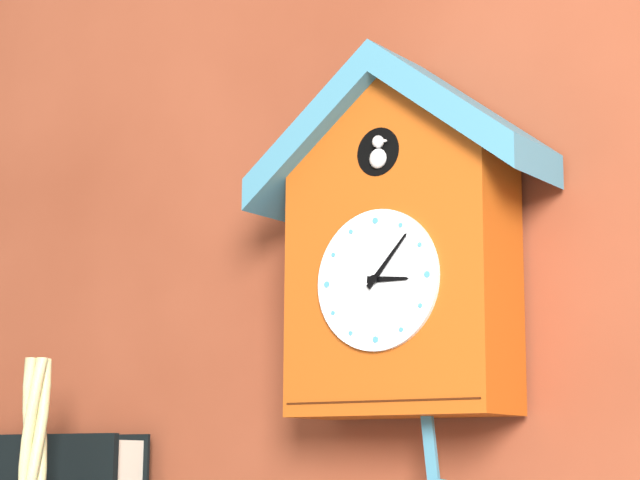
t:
3:07
